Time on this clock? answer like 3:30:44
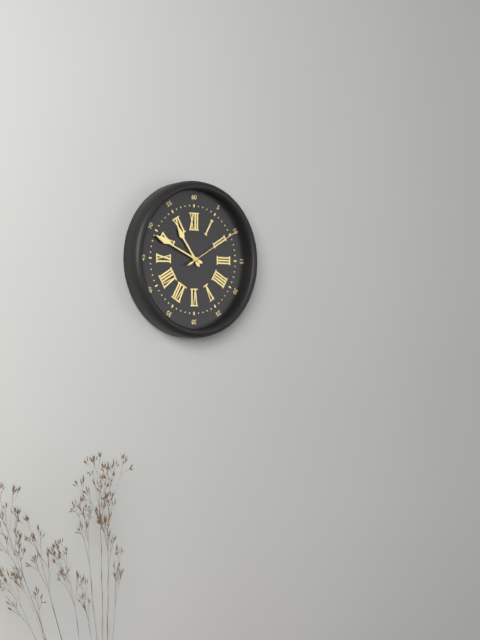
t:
10:49:10
